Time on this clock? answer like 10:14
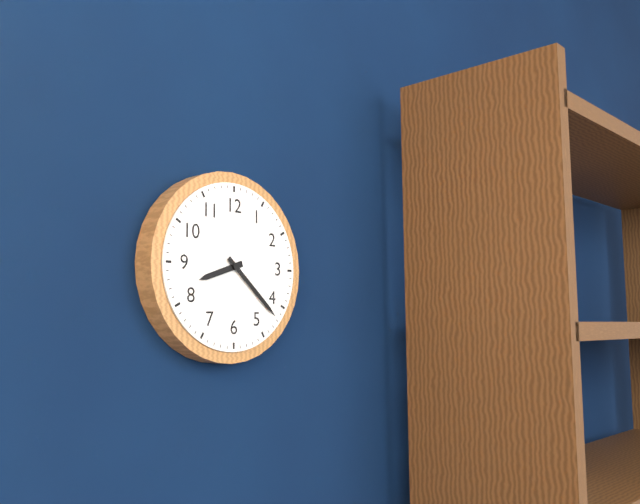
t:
8:22
